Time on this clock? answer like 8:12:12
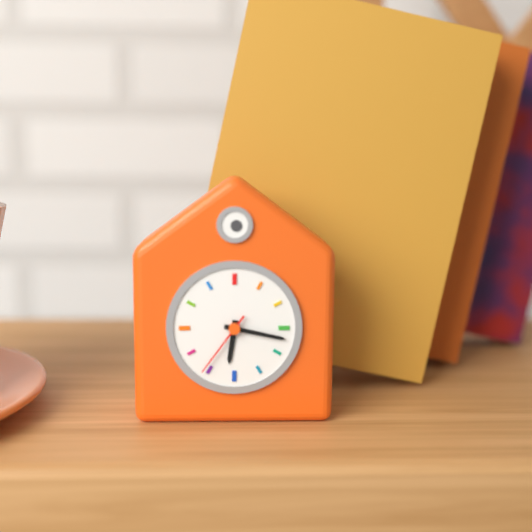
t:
6:17:36
